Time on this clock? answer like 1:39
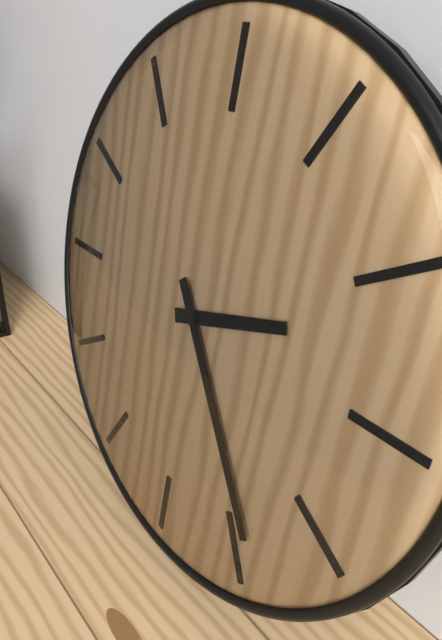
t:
2:24
